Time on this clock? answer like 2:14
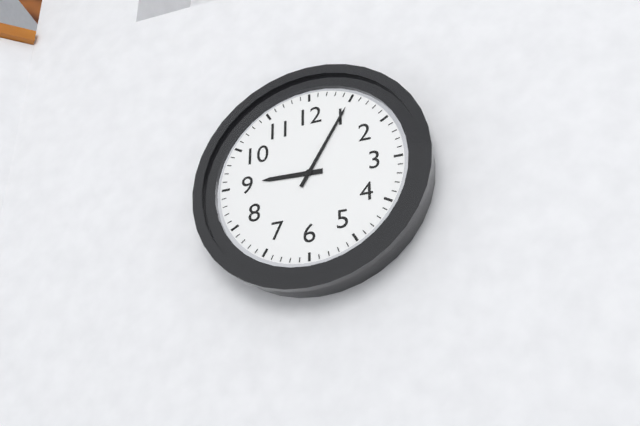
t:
9:05
